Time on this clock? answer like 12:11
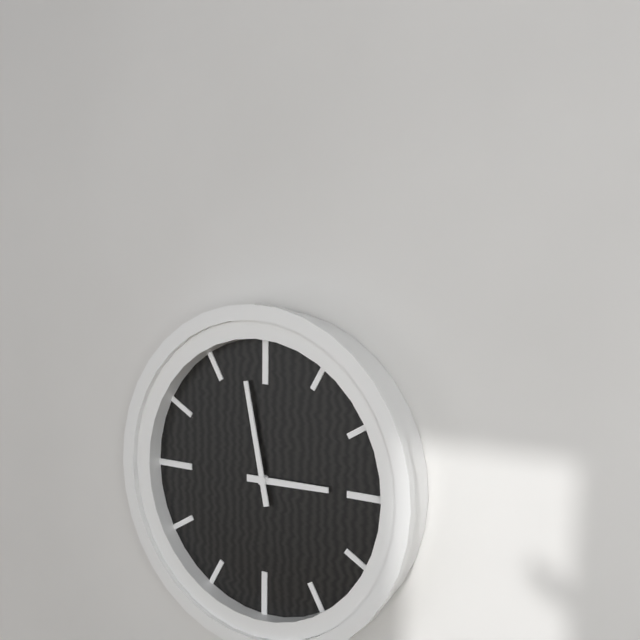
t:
2:58
